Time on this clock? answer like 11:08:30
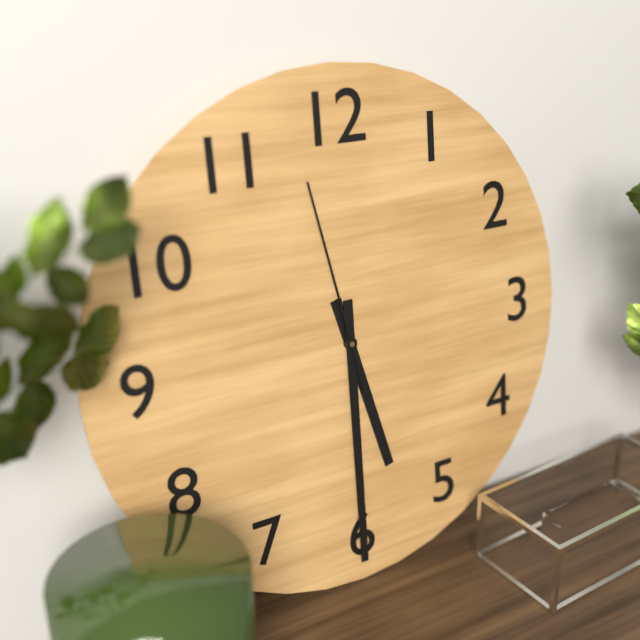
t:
5:30:58
